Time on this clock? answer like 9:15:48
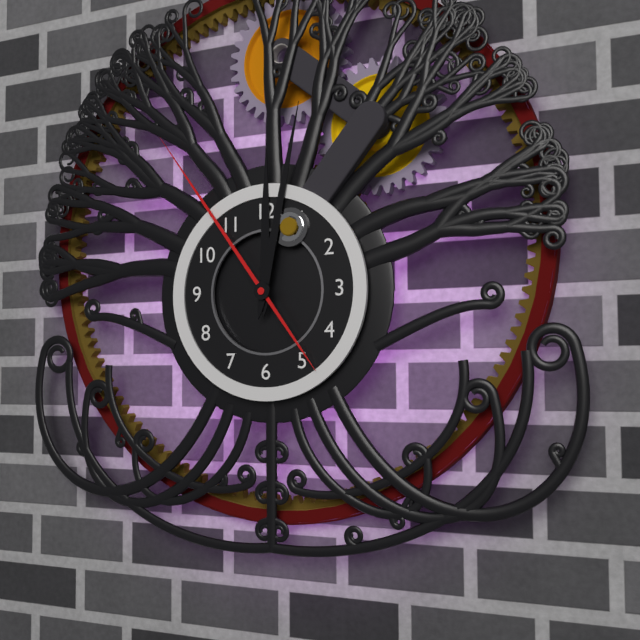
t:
12:02:54
